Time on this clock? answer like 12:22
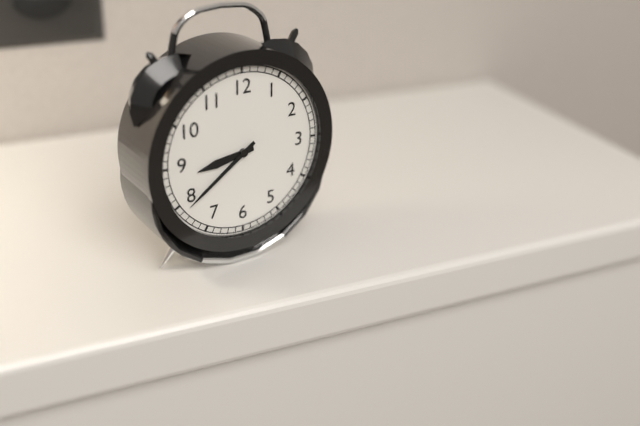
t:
8:39
